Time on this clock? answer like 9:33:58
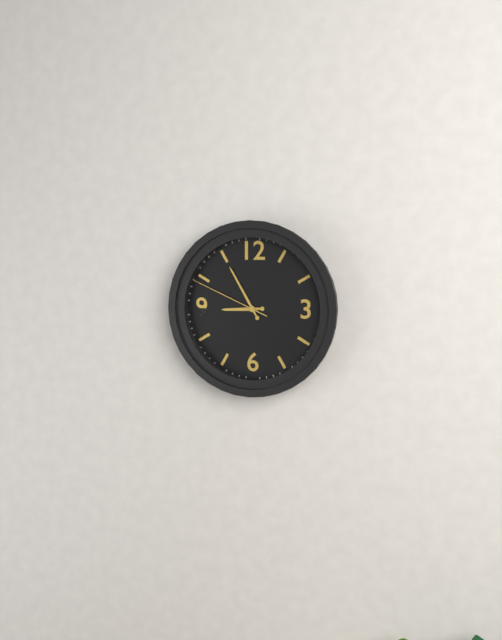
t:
8:55:49
